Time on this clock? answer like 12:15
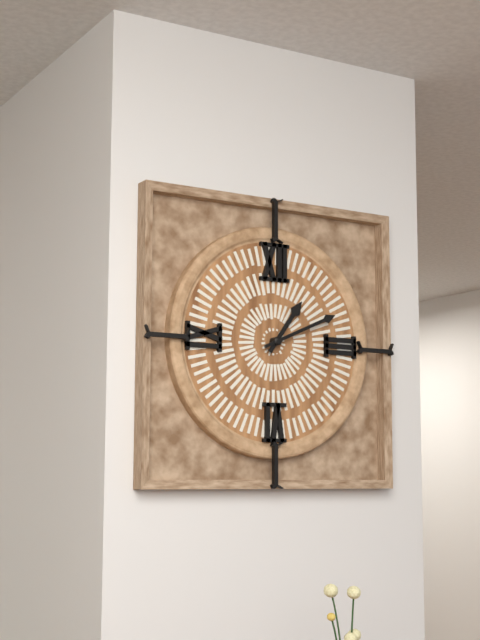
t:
1:11
